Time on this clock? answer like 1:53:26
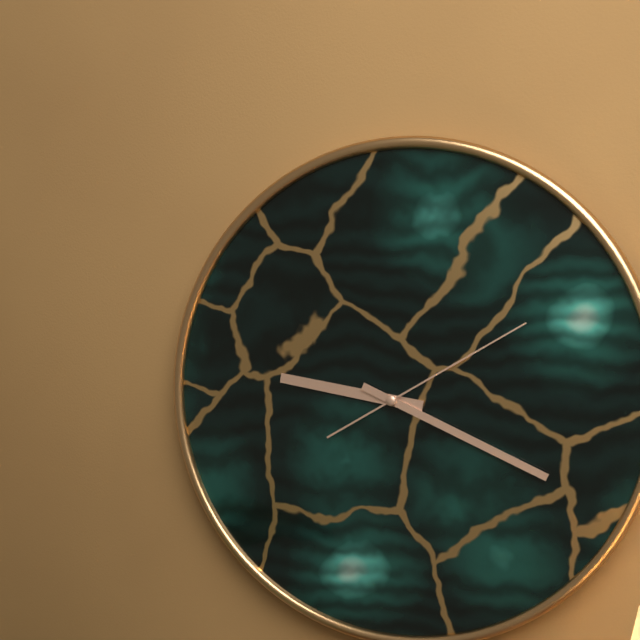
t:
9:19:10
